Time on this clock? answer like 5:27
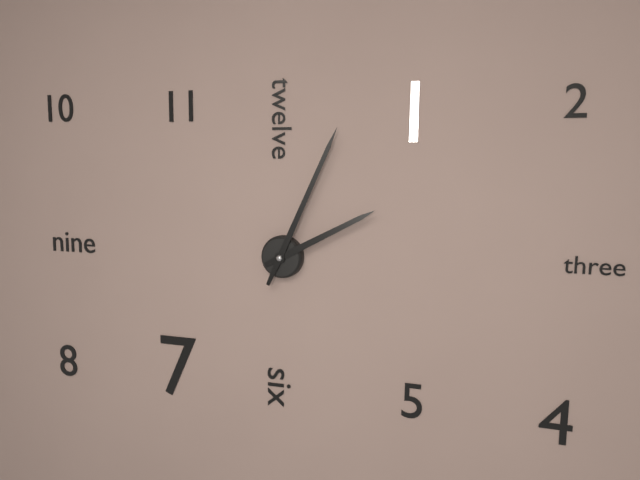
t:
2:04
